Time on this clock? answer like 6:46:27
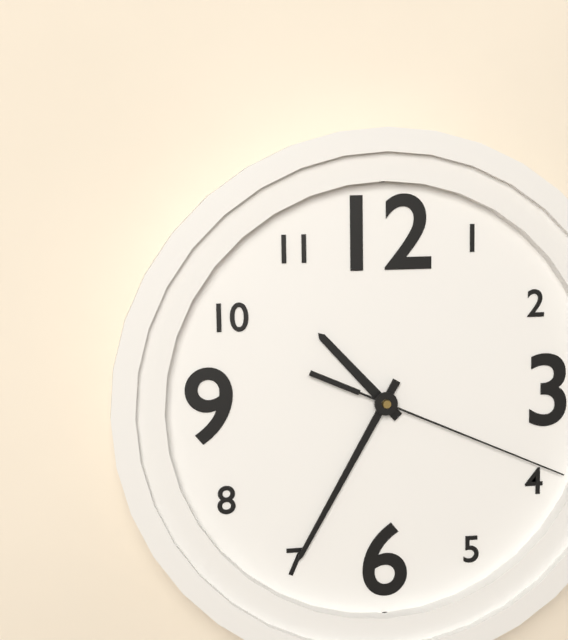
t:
10:35:19
